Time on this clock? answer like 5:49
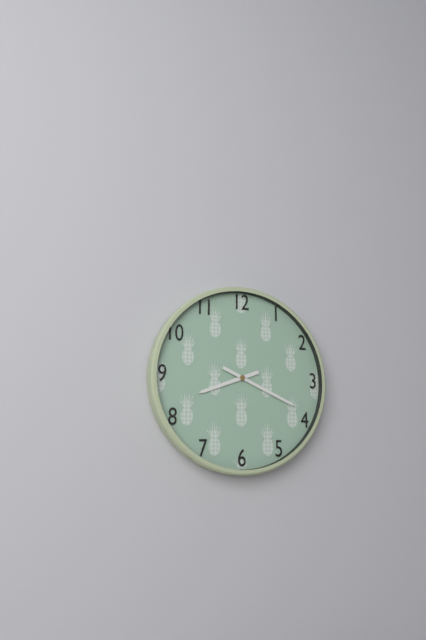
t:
8:19
